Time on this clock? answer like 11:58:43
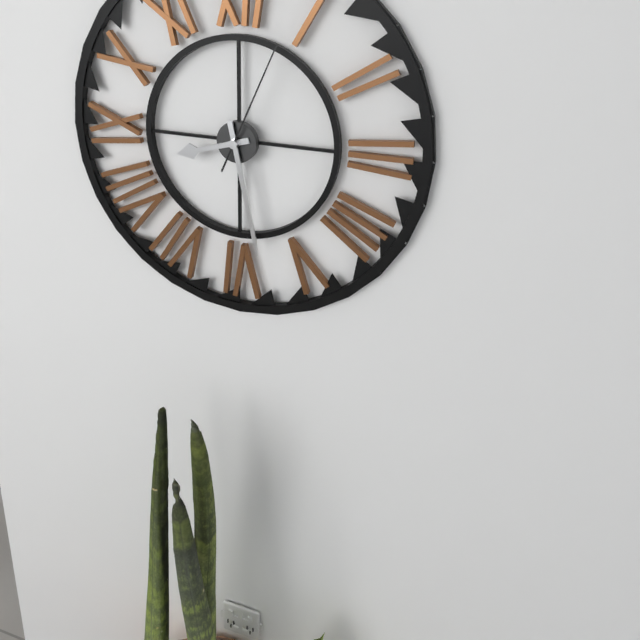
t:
8:28:04
